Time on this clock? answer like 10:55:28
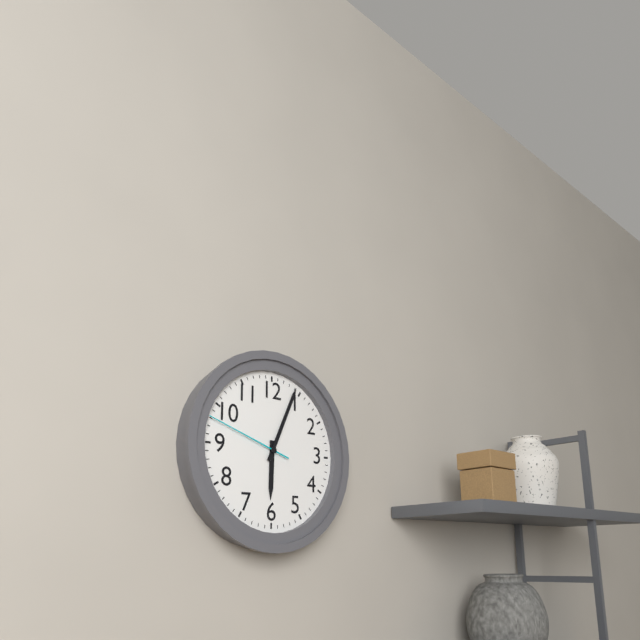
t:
6:04:48
